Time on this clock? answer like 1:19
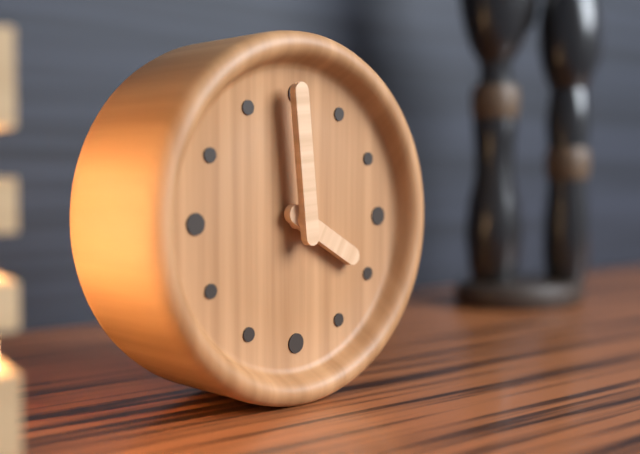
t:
3:59
